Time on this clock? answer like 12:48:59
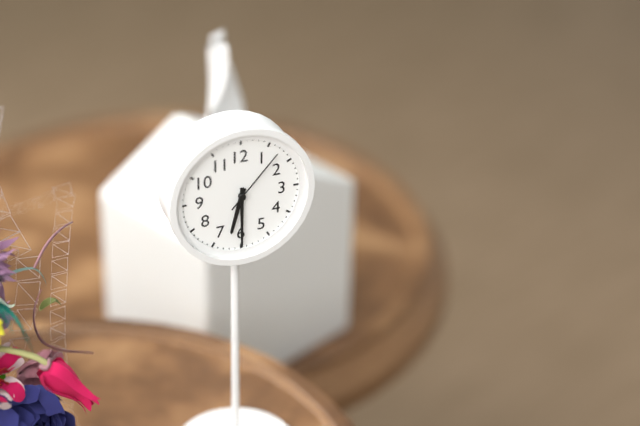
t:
6:30:07
